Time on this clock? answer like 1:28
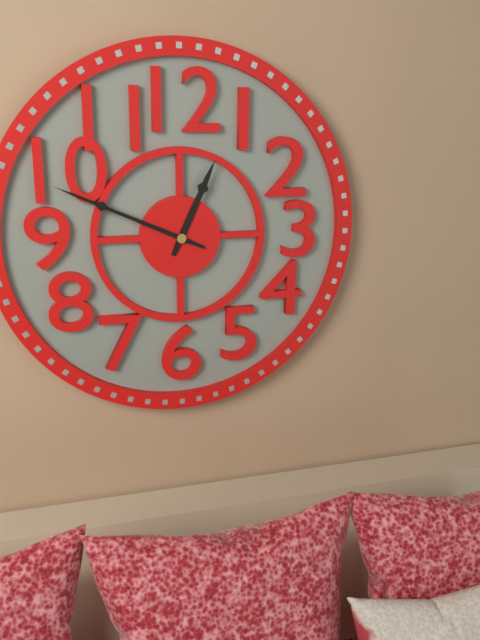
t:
12:49
